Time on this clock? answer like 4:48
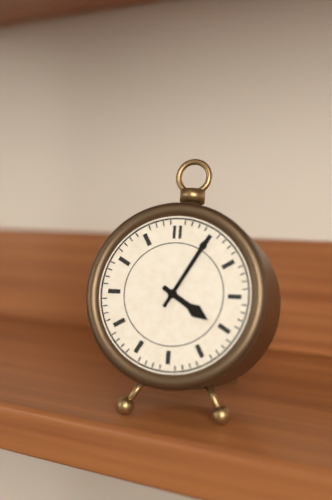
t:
4:05
